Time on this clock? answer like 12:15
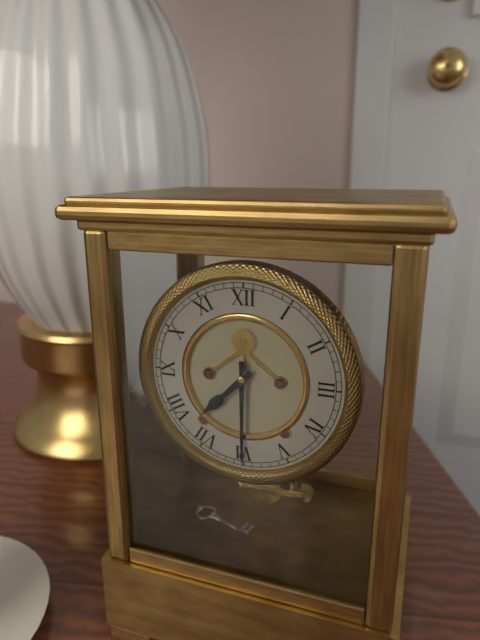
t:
7:30
